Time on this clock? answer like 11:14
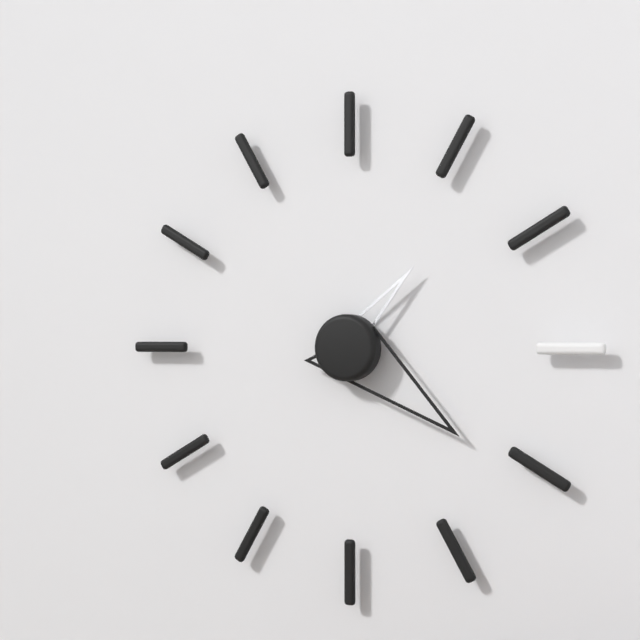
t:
1:21
